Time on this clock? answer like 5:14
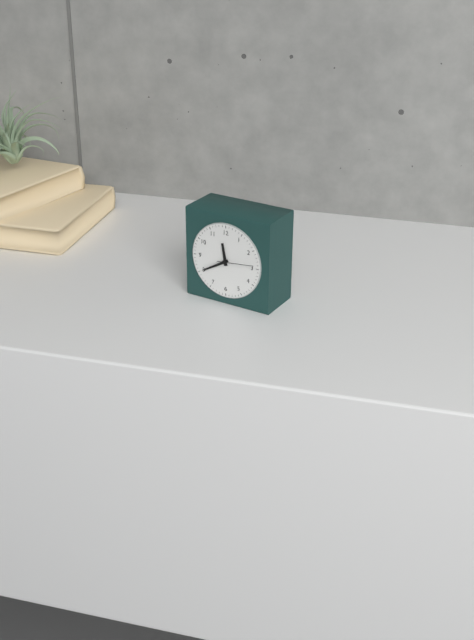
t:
11:40
